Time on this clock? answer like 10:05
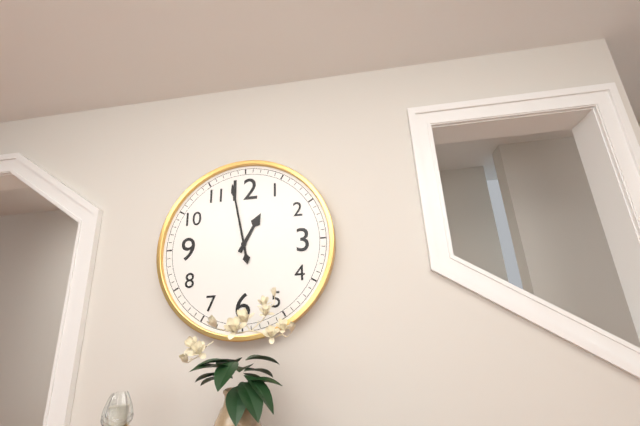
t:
12:58
